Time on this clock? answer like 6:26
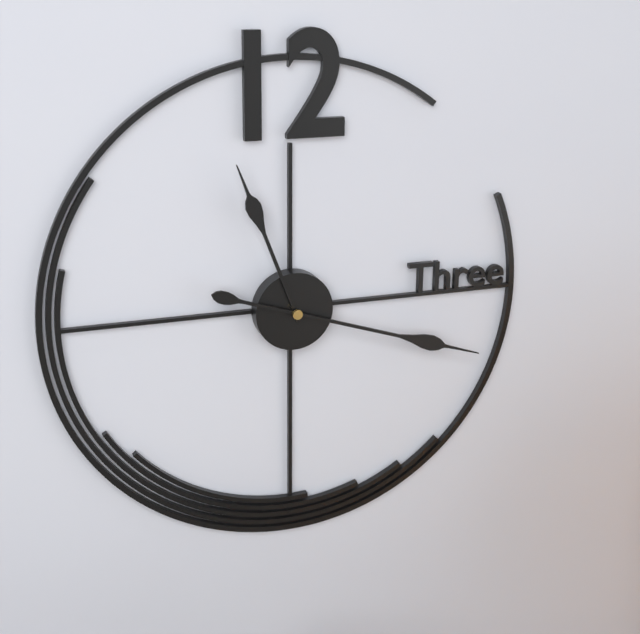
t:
11:18
